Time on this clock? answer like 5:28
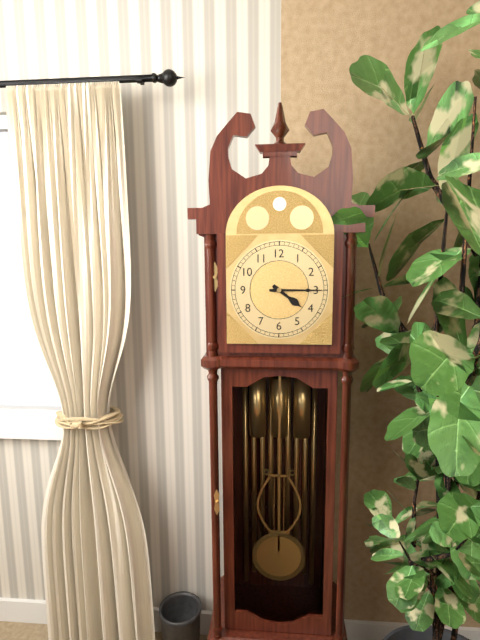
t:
4:15
